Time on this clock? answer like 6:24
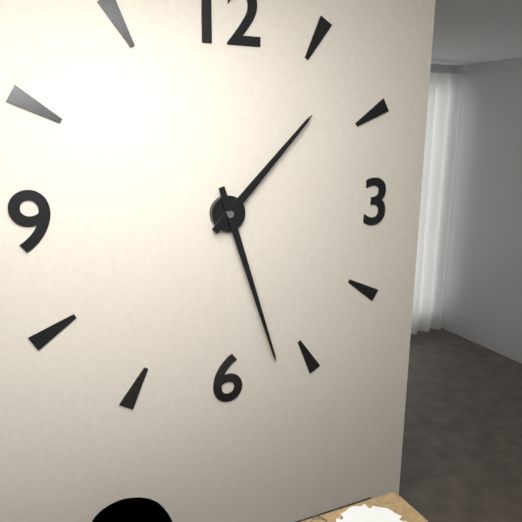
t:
1:27
